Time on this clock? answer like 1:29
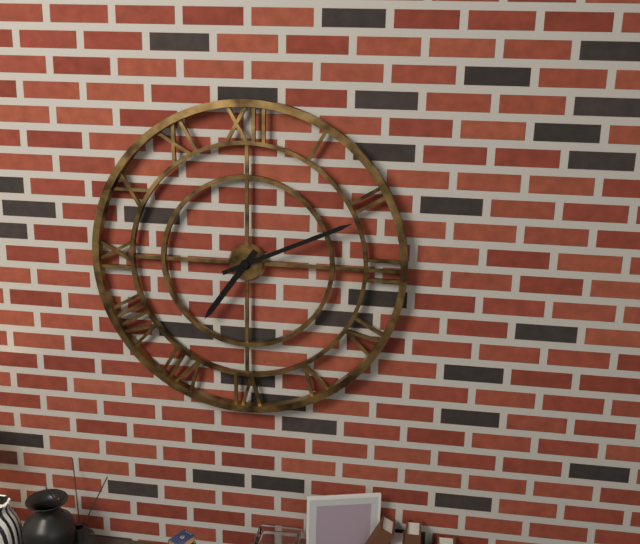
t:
7:11
